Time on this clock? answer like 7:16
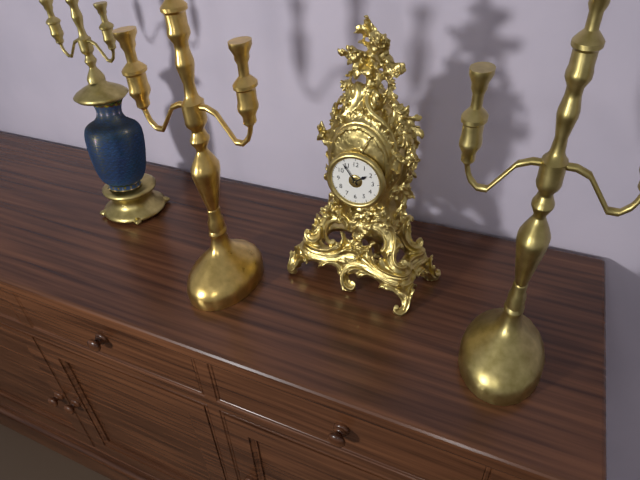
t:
1:54
